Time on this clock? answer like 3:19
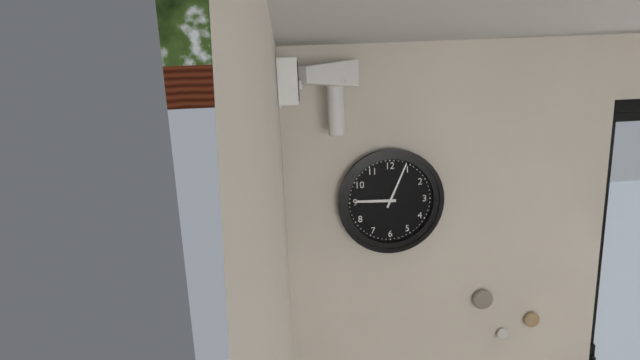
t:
9:04
